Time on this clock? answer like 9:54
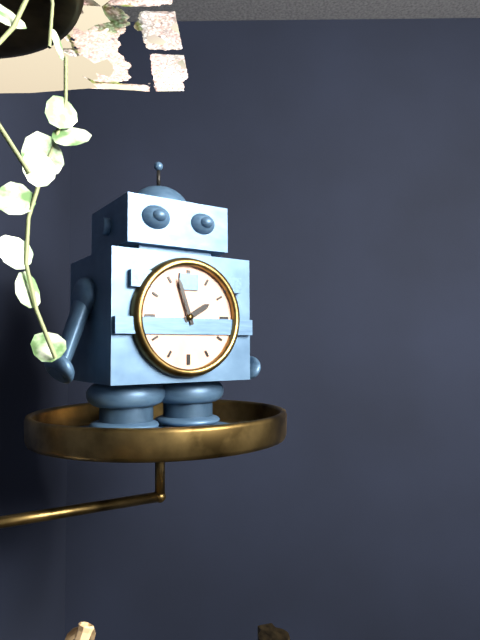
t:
1:57
